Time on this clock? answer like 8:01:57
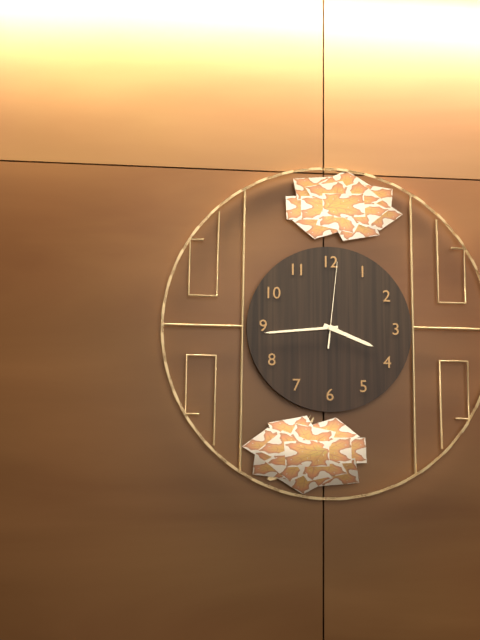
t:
3:44:01
